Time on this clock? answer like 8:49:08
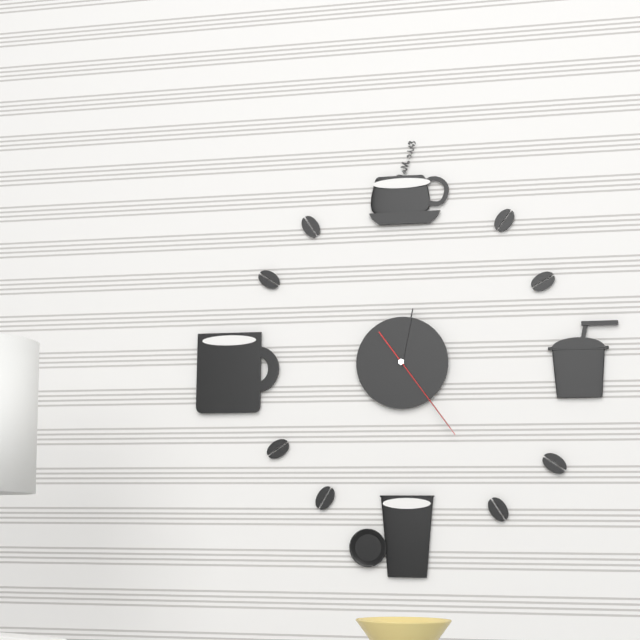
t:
12:24:24
